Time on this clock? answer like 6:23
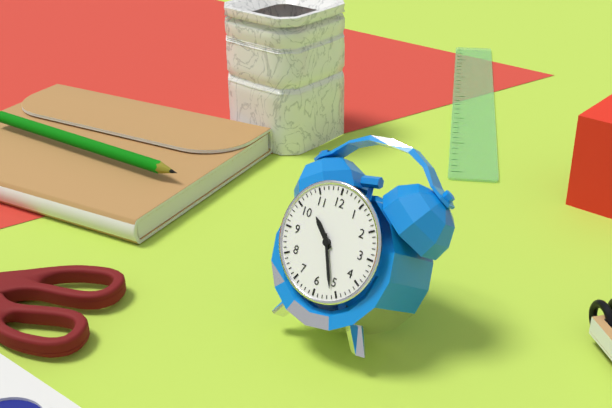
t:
10:26
